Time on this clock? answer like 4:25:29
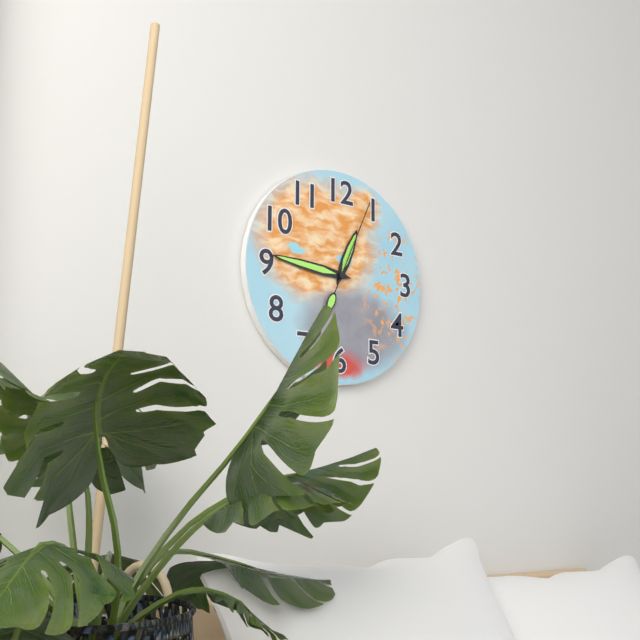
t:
12:46:04
